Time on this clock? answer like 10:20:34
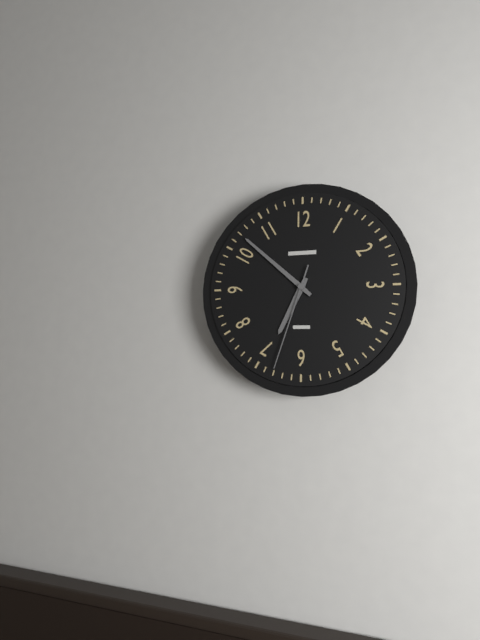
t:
6:52:33
